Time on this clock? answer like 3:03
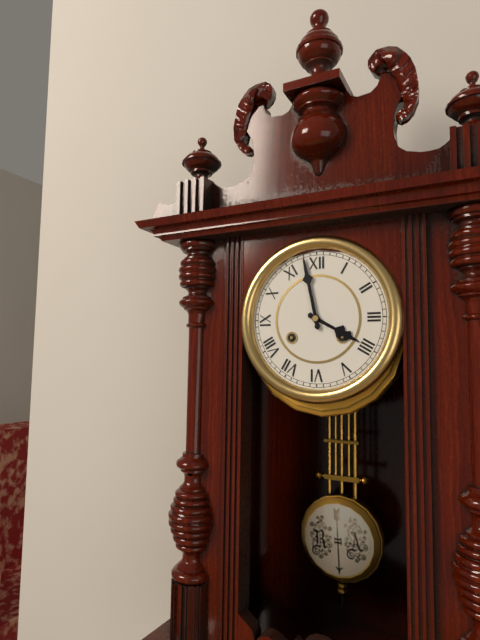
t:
3:58
